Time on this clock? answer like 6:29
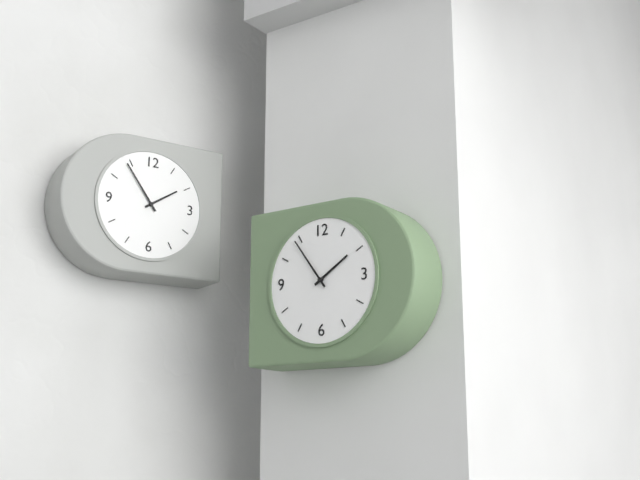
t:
1:54
